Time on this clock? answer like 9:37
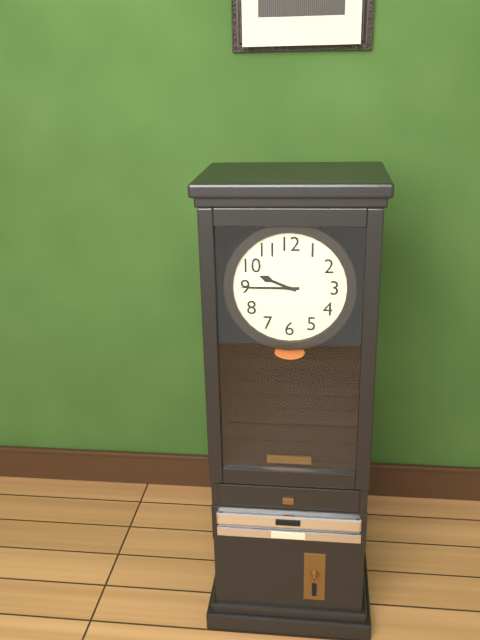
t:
9:45
